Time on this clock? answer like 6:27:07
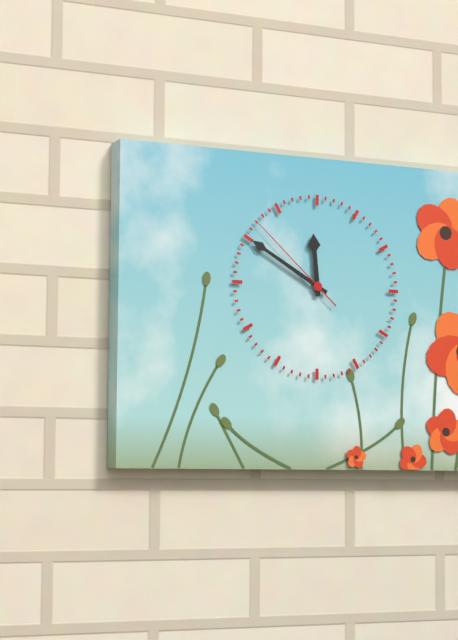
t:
11:50:52
